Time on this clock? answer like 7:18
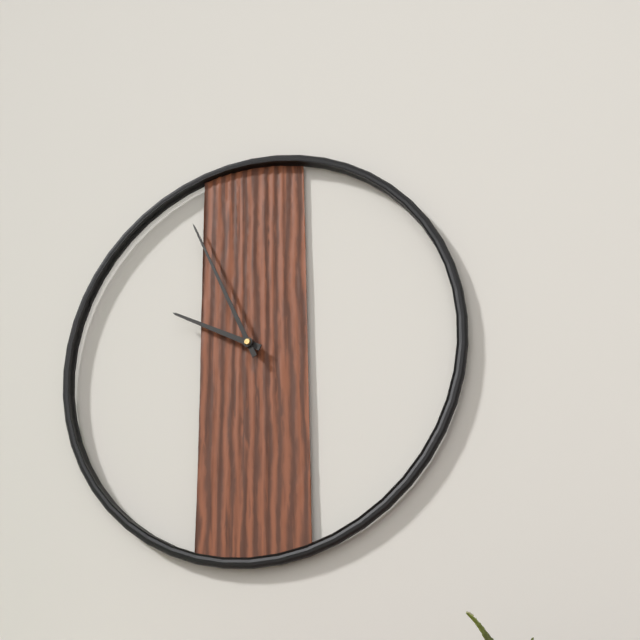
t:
9:56
